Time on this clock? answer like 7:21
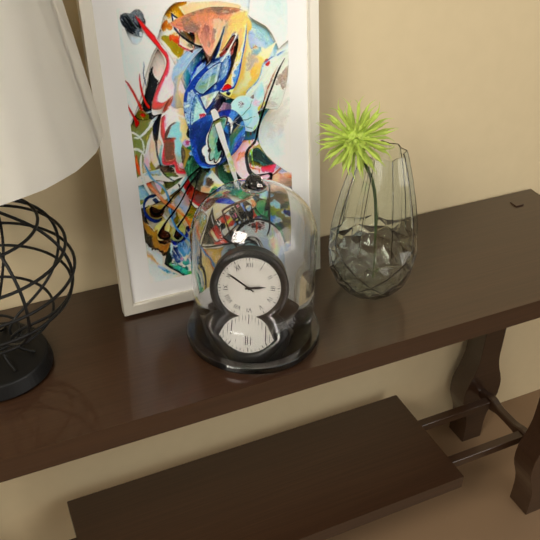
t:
2:51
